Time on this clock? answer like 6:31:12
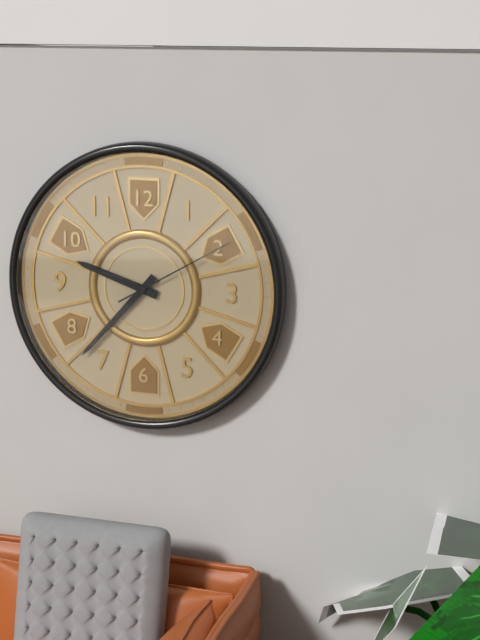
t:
9:37:10
